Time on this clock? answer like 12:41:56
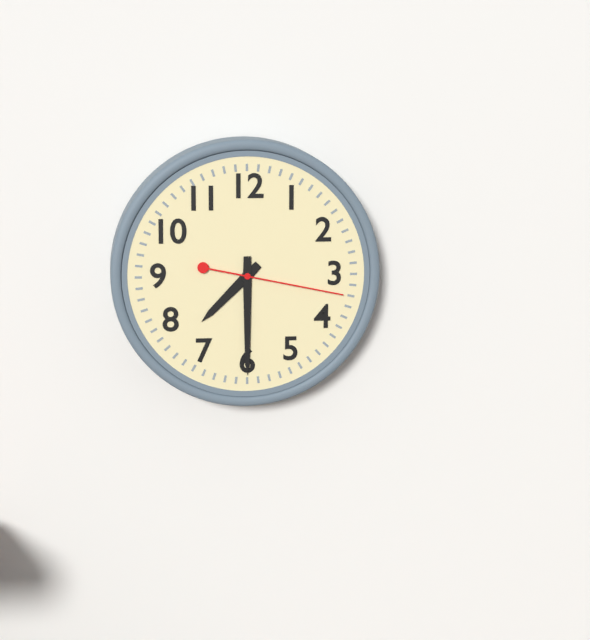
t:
7:30:17
